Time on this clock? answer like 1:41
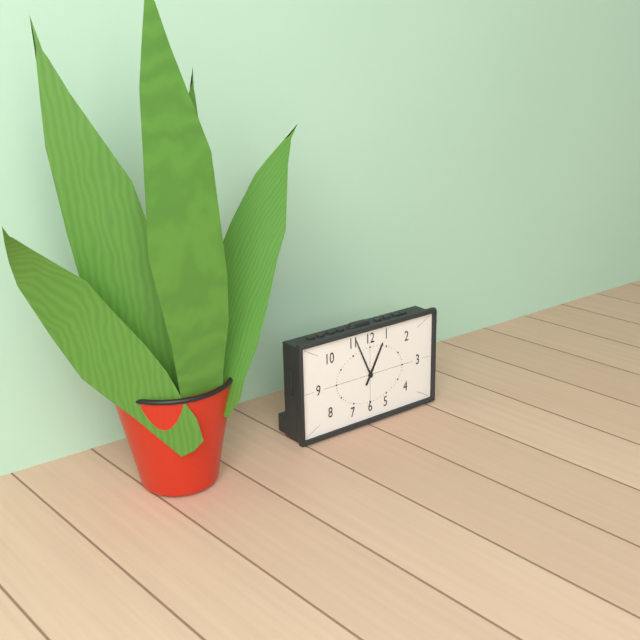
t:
12:56
